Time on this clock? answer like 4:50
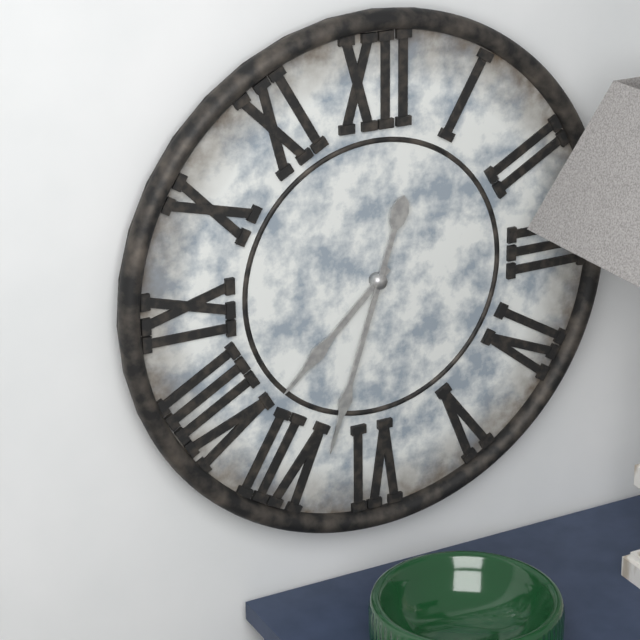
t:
7:33
